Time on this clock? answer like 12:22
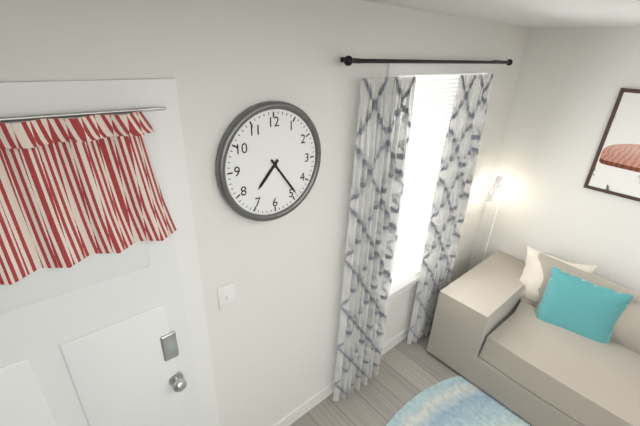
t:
7:24
